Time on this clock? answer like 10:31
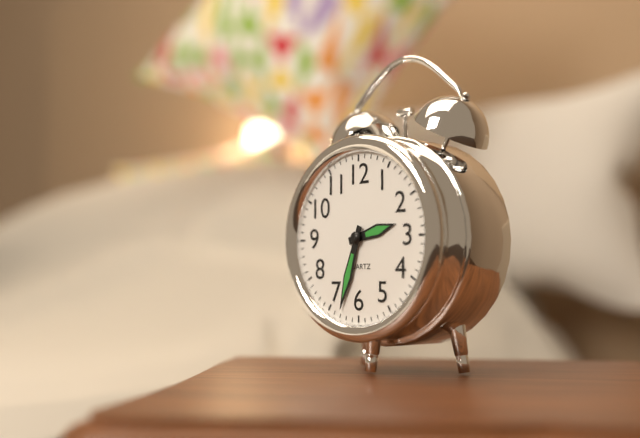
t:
2:33
